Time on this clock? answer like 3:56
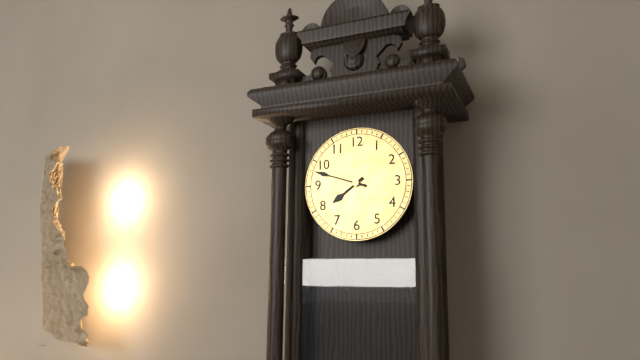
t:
7:48
